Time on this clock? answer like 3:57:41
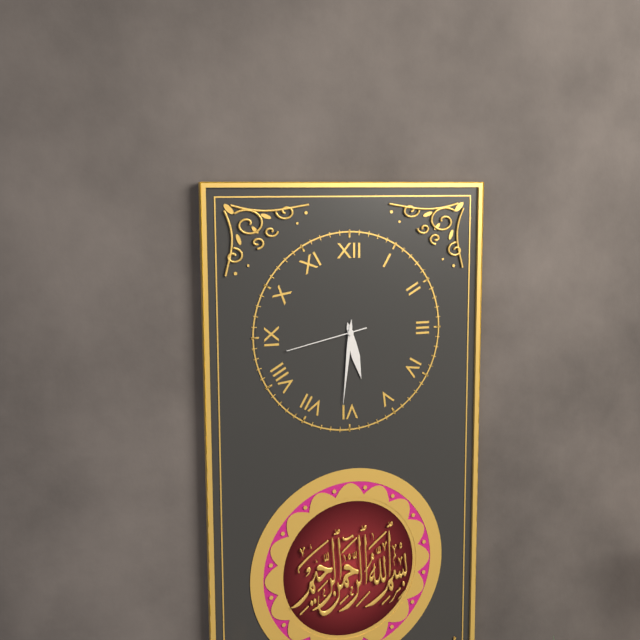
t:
5:31:43
